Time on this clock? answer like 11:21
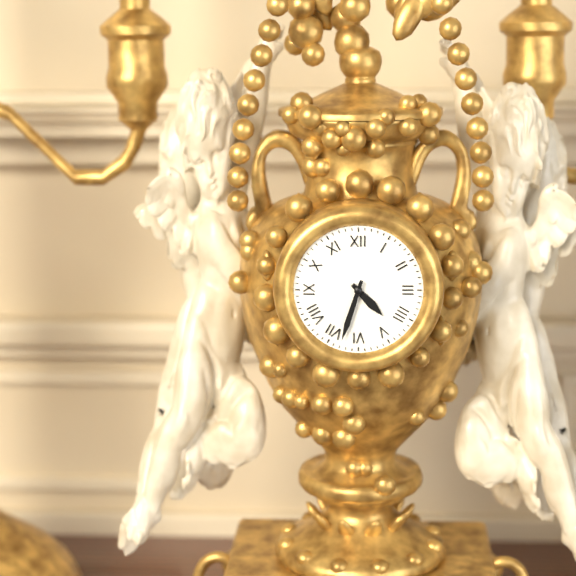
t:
4:33
